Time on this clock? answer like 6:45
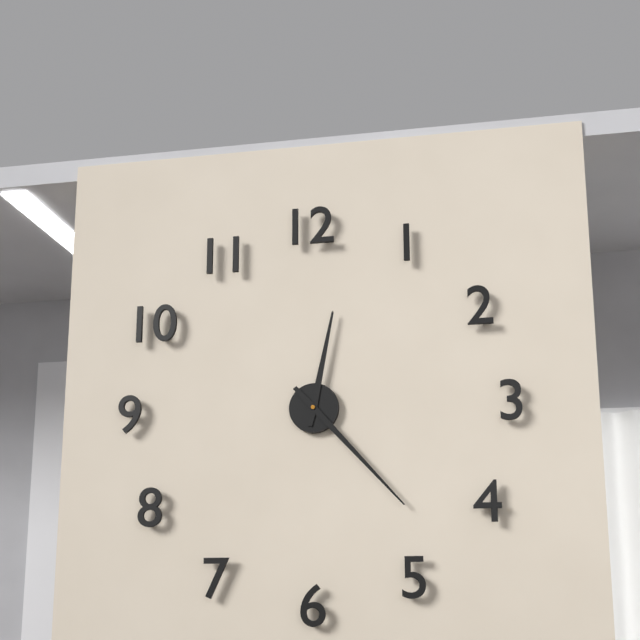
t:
12:23
